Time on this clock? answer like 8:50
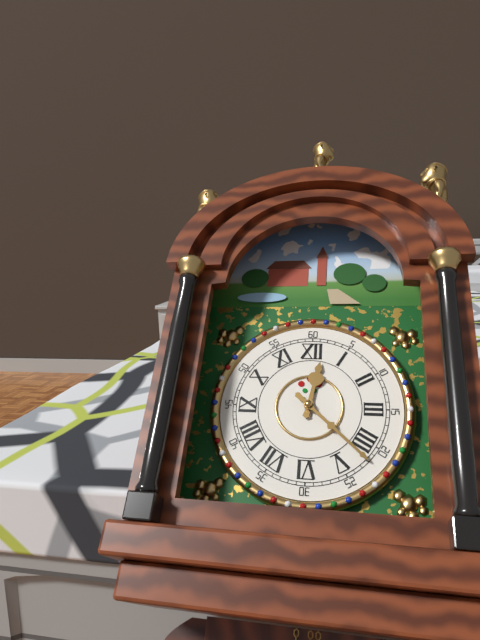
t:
12:22
